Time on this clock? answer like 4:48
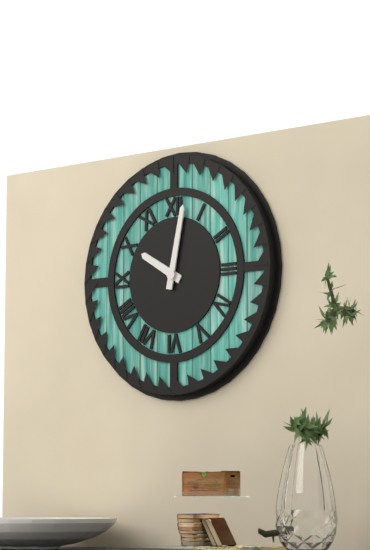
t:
10:02
